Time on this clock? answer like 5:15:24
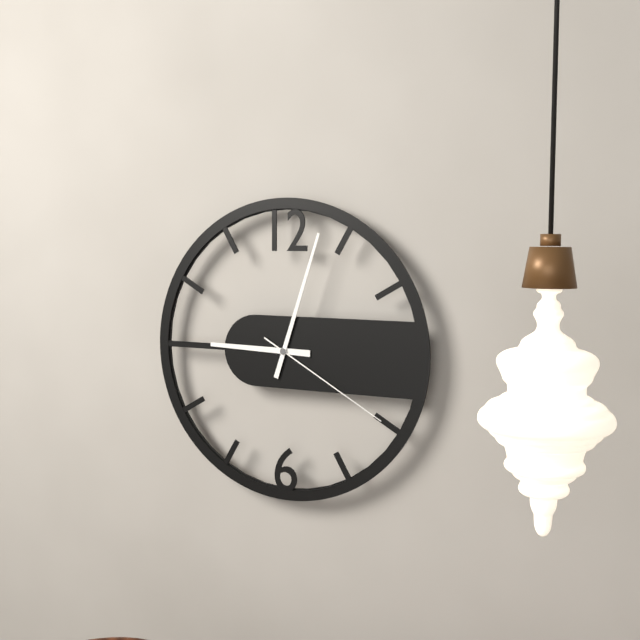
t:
9:03:20
